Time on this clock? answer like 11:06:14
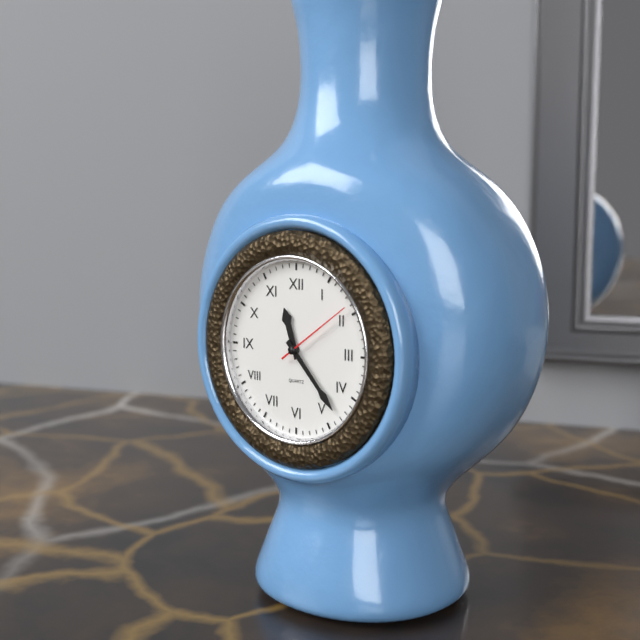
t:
11:23:09
